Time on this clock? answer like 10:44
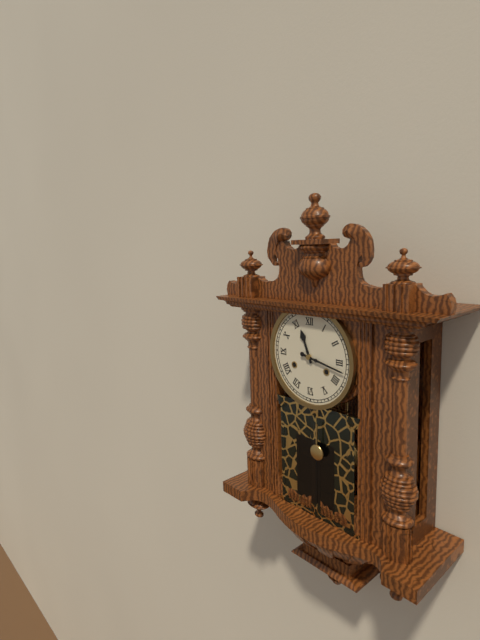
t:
11:17
